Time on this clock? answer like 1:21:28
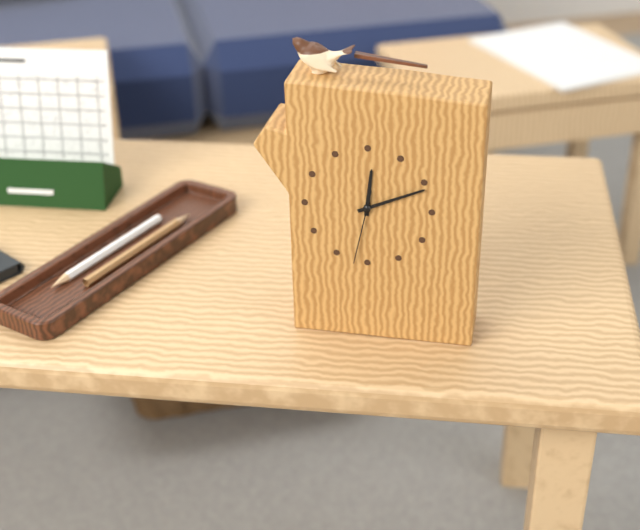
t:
12:11:32
